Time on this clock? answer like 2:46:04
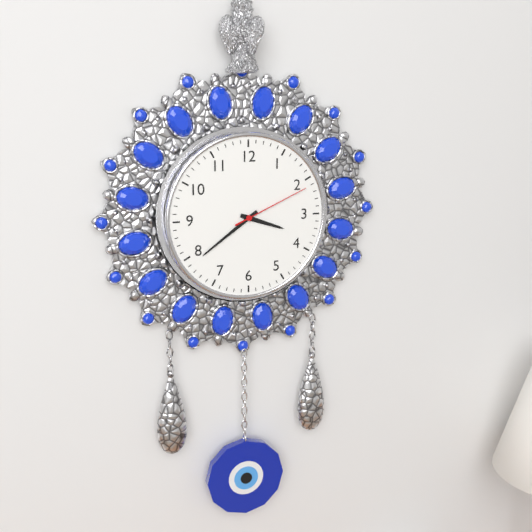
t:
3:39:11
